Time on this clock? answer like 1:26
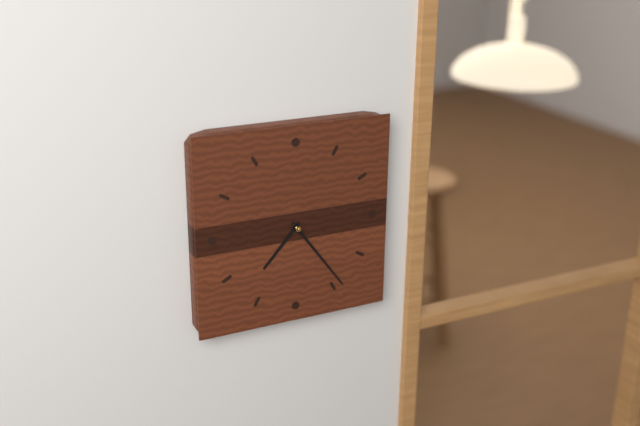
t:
7:24
